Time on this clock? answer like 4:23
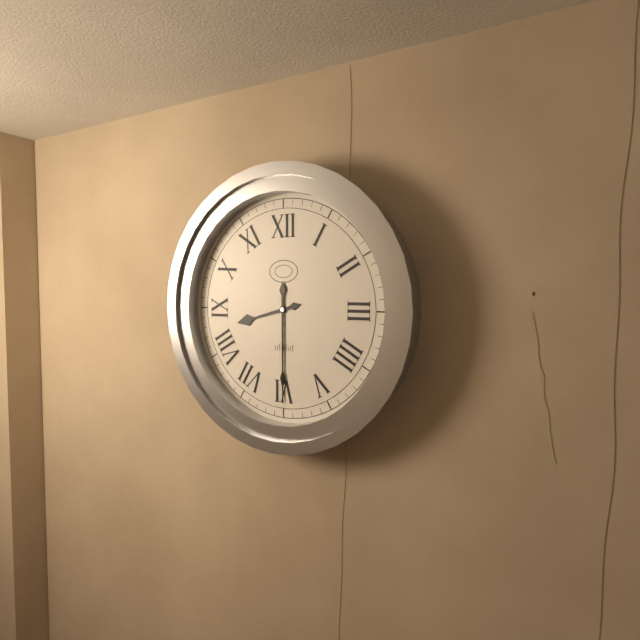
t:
8:30
